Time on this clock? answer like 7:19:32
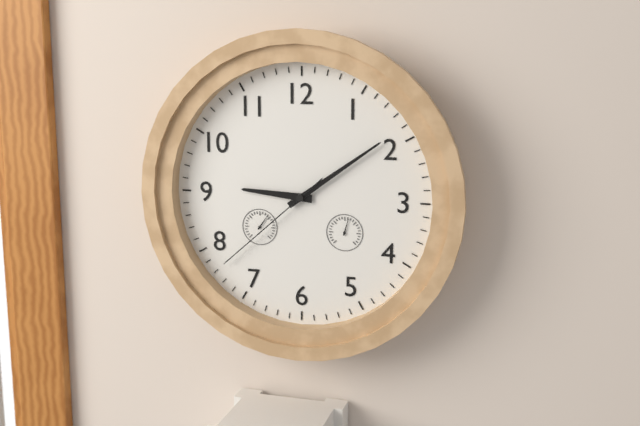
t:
9:09:38
